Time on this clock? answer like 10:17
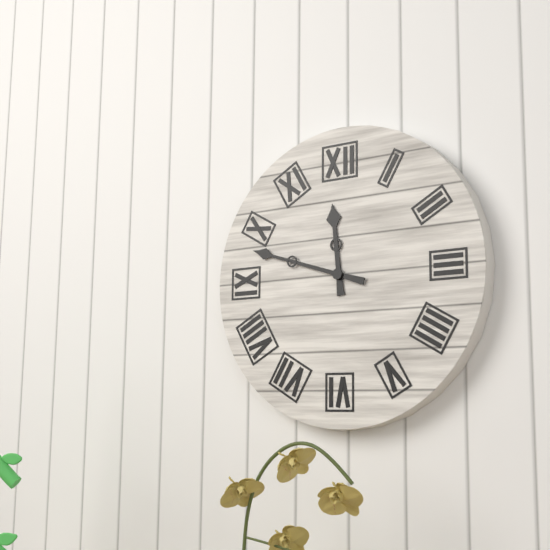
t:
11:48
